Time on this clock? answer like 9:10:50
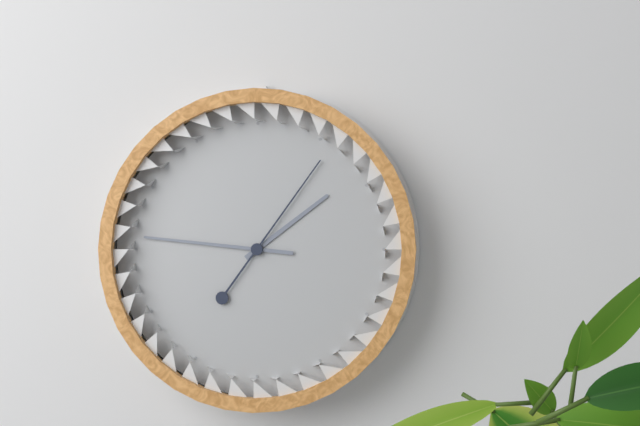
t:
1:46:06
